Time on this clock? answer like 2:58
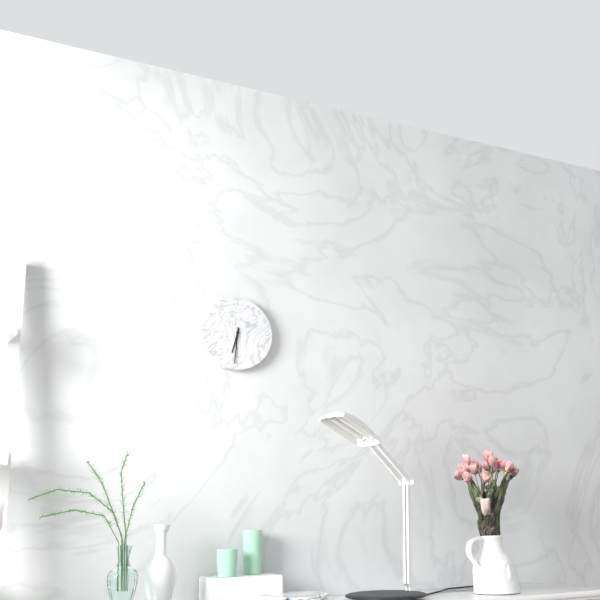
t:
6:31
